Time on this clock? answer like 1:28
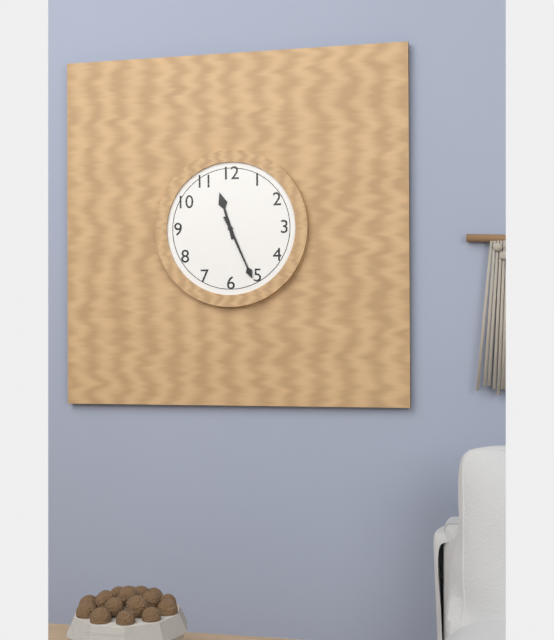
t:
11:26
